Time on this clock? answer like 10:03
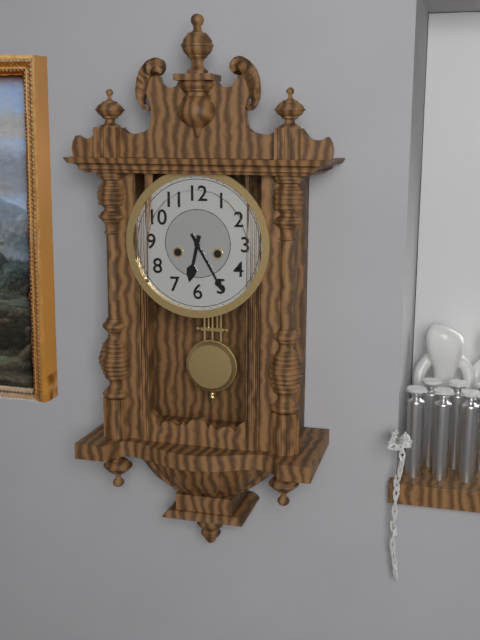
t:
6:25
